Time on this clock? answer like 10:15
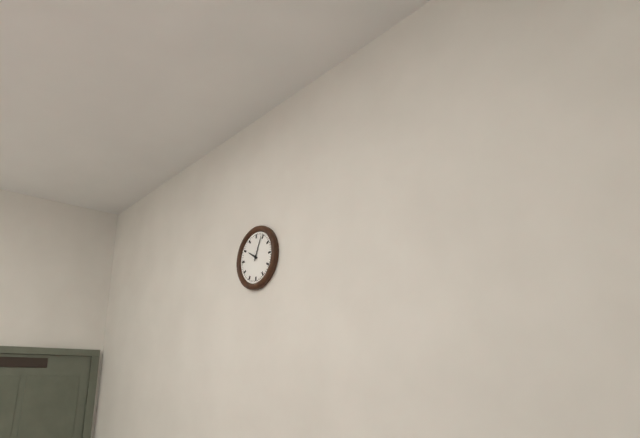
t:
10:04
